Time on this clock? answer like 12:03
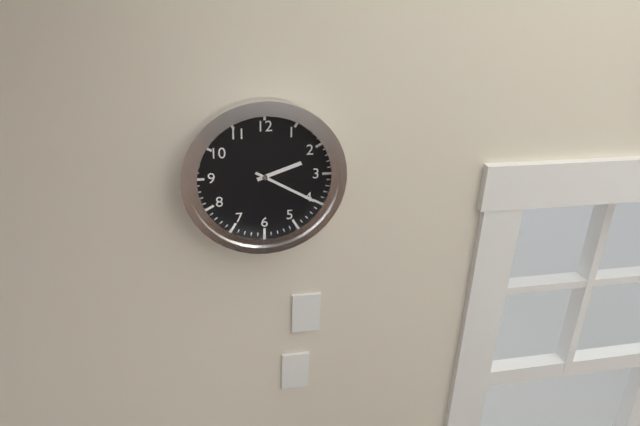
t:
2:20
